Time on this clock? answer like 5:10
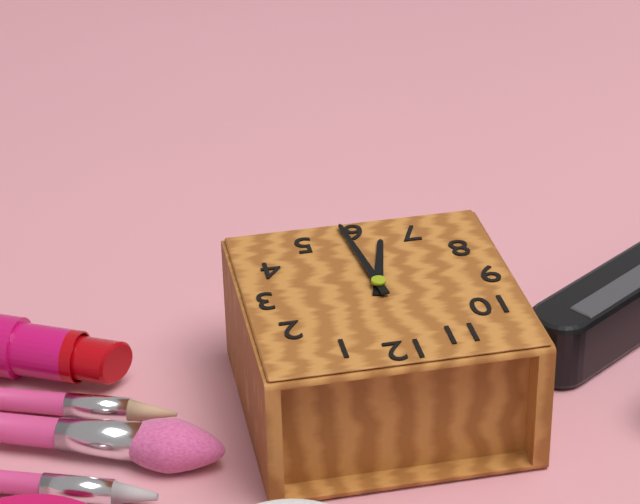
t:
6:29
